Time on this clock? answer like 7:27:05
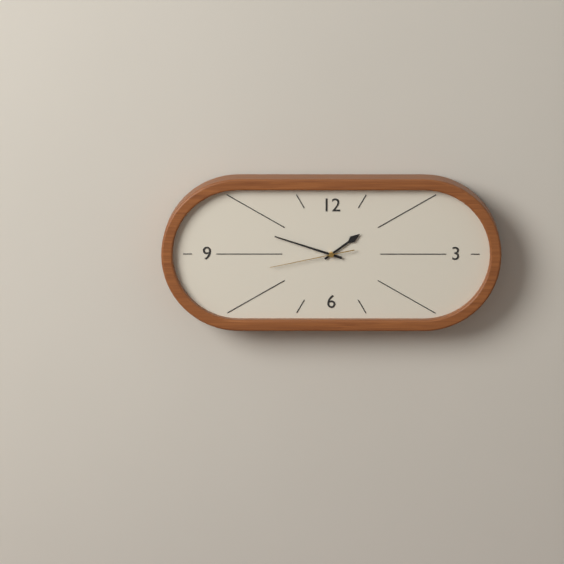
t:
1:48:43
